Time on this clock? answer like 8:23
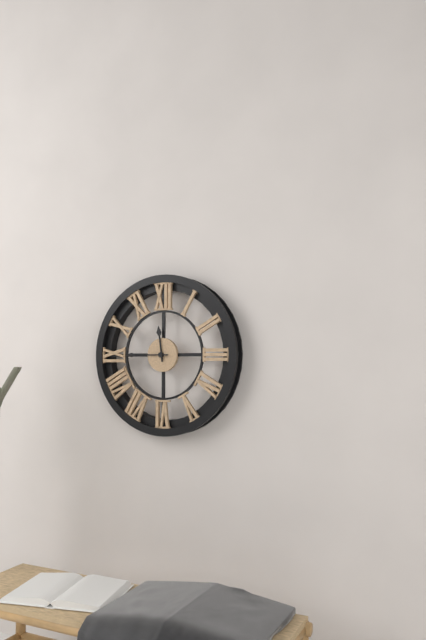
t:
11:45
